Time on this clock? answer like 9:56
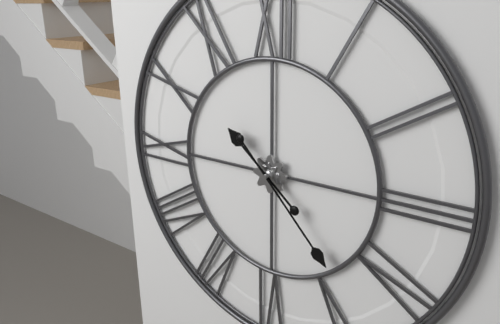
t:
10:23
